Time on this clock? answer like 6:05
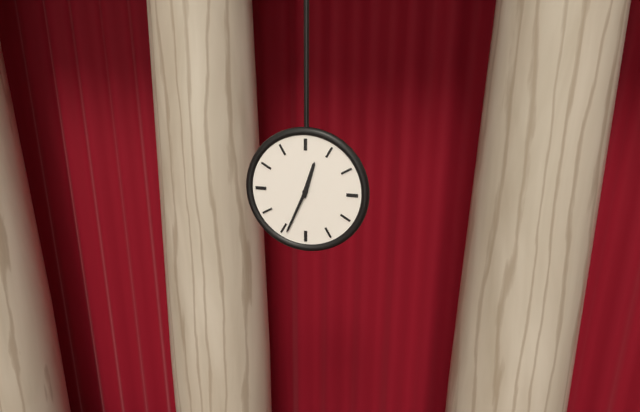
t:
12:34
